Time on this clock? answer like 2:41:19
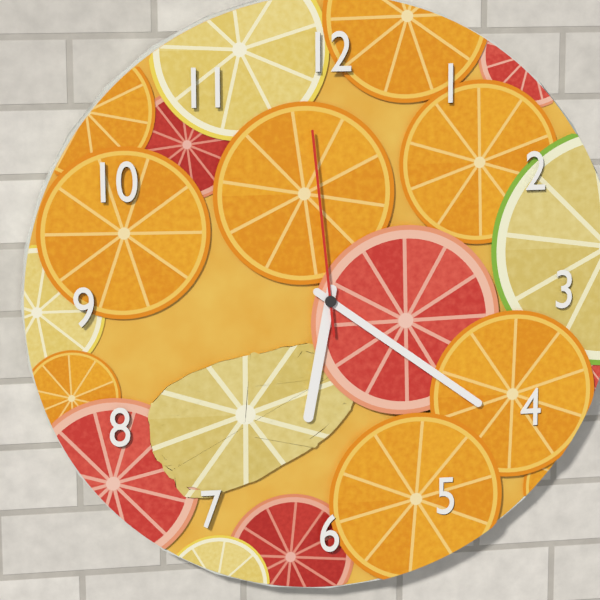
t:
6:21:59
